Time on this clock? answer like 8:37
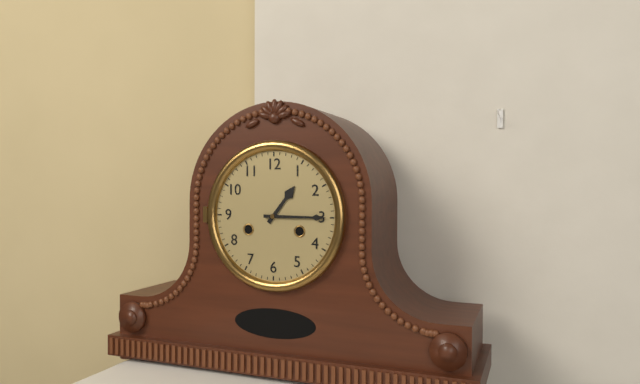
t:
1:15
